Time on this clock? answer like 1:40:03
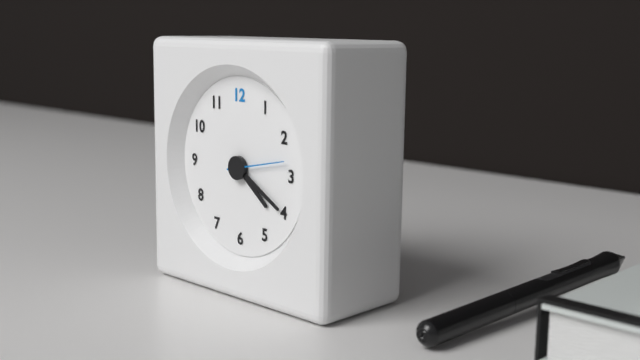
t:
4:20:13
